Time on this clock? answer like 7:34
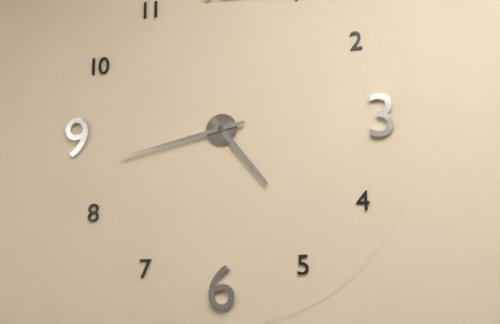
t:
4:43
